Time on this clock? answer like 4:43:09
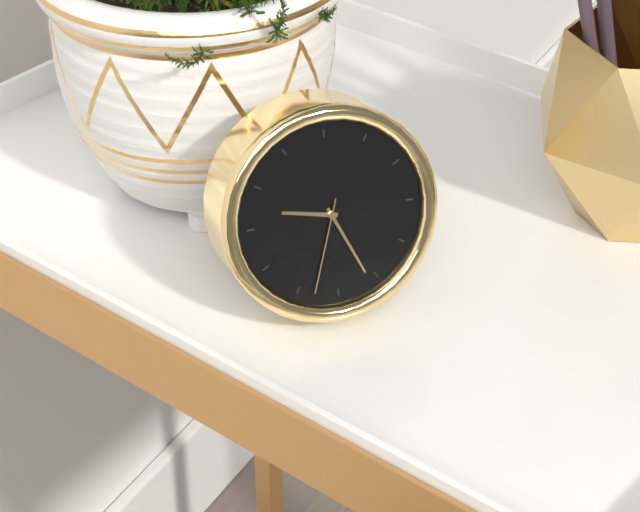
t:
9:26:33
